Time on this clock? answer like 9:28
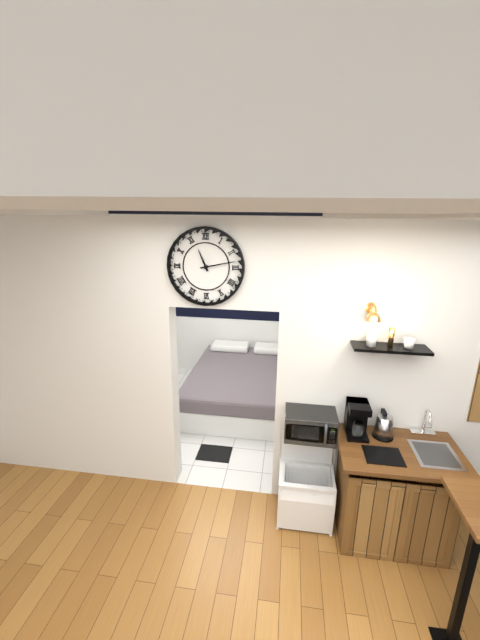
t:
11:13
